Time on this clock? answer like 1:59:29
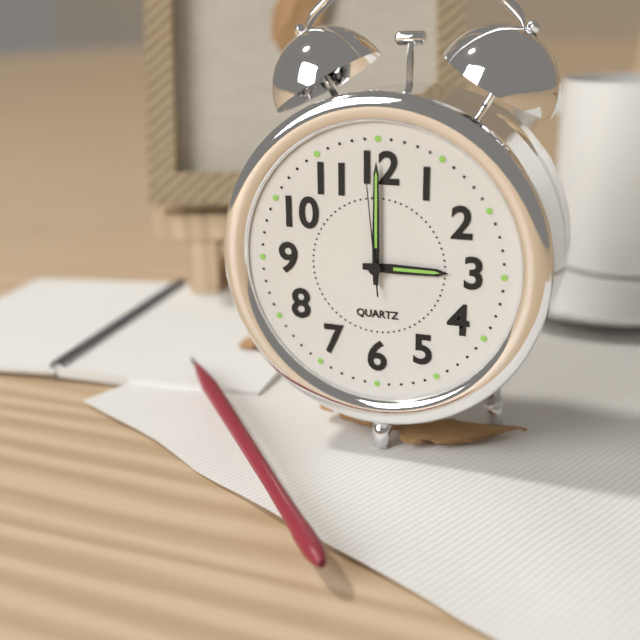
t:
3:00:59
